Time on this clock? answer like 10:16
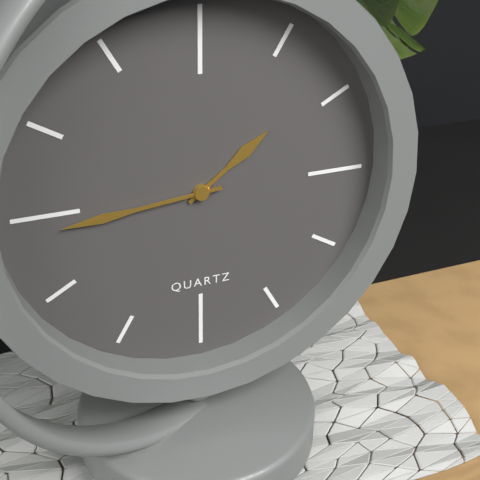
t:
1:44
